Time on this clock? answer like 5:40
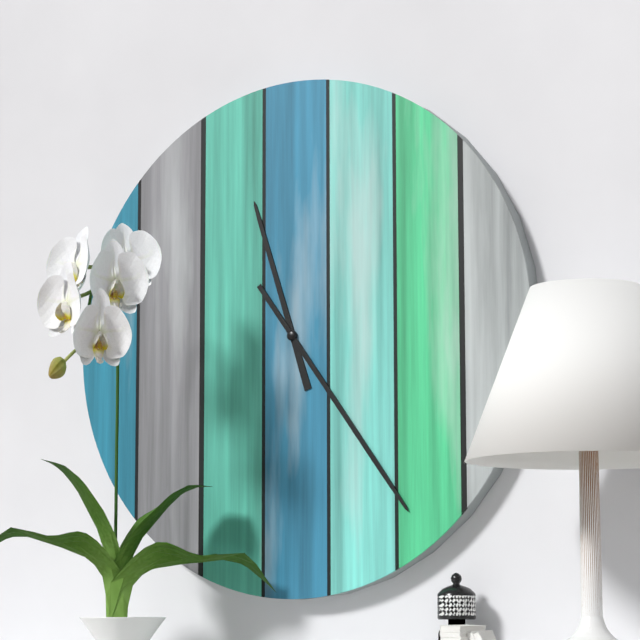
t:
11:24
